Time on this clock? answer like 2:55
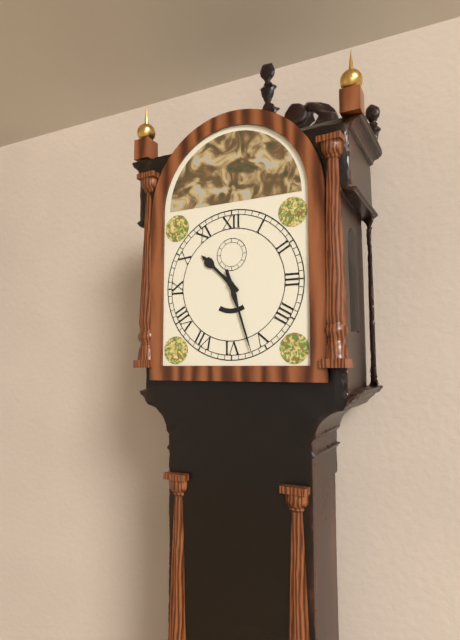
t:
10:27
